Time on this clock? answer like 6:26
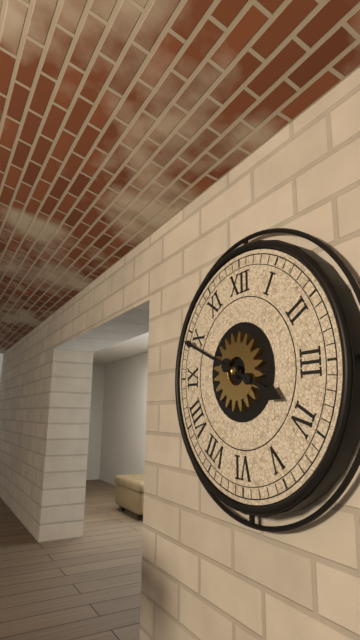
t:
3:49
